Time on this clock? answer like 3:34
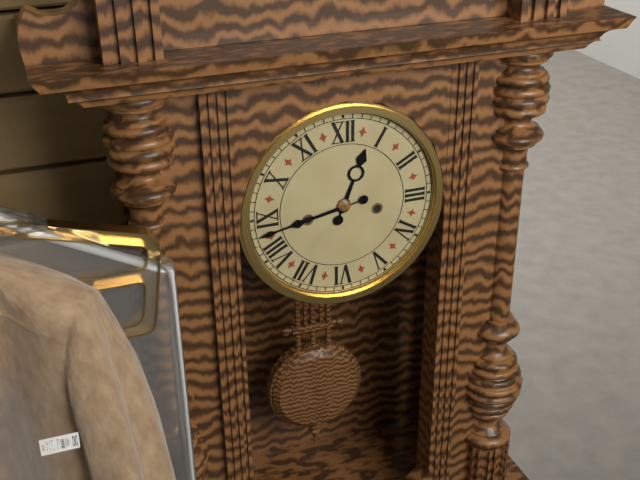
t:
12:43
